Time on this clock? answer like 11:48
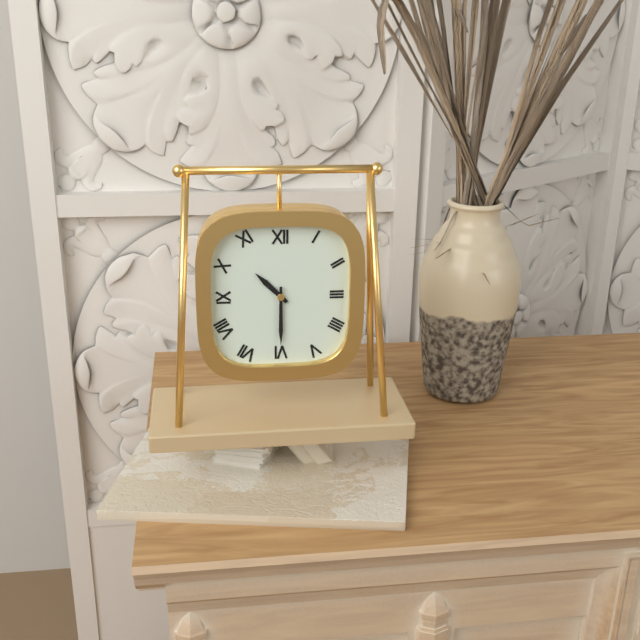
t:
10:30
